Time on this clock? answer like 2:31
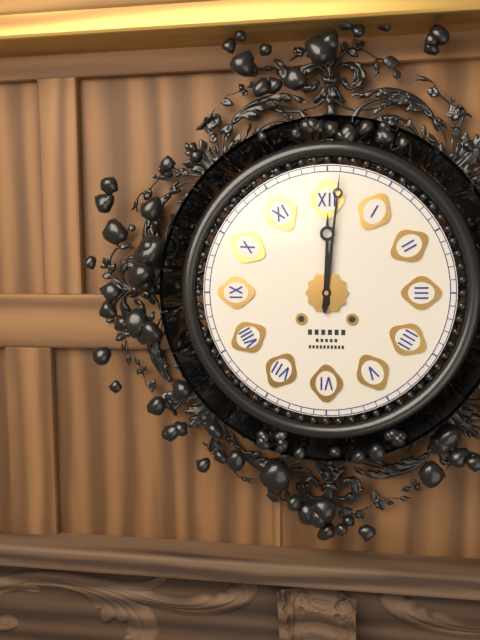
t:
12:01
